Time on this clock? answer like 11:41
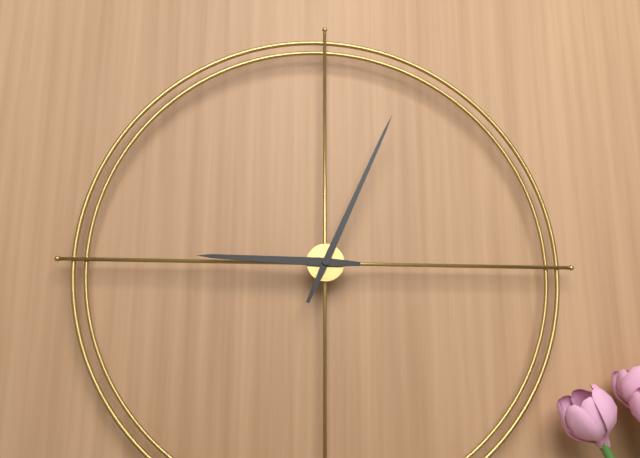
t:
9:04
